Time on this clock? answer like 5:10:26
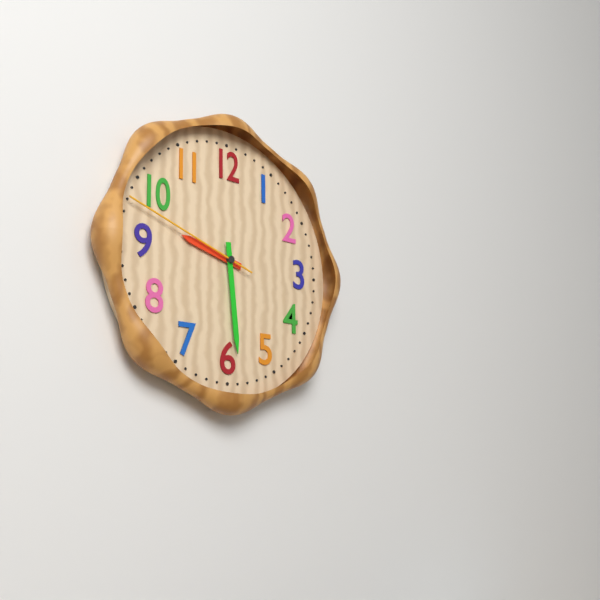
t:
9:29:48
